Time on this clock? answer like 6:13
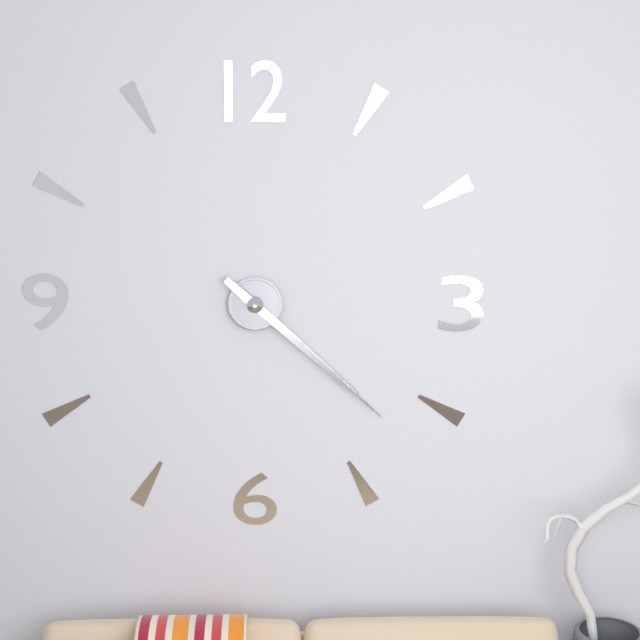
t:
4:22
